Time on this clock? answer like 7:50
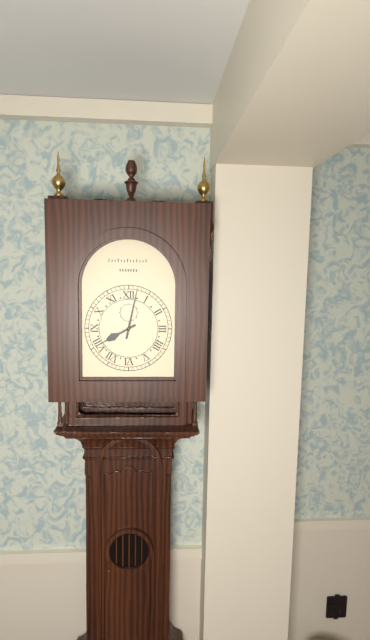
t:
8:02
